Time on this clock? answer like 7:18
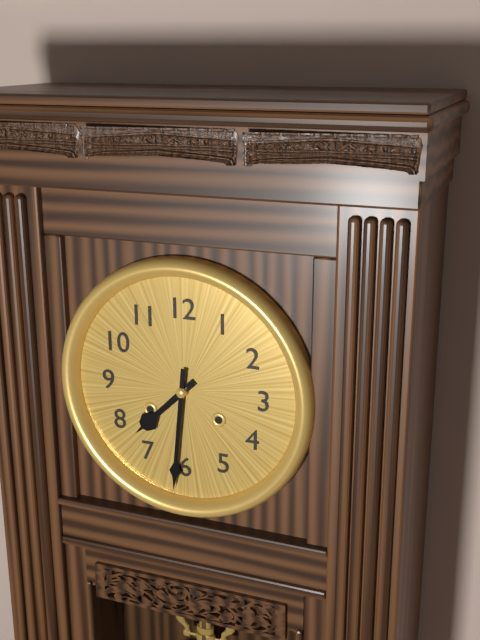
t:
7:31
